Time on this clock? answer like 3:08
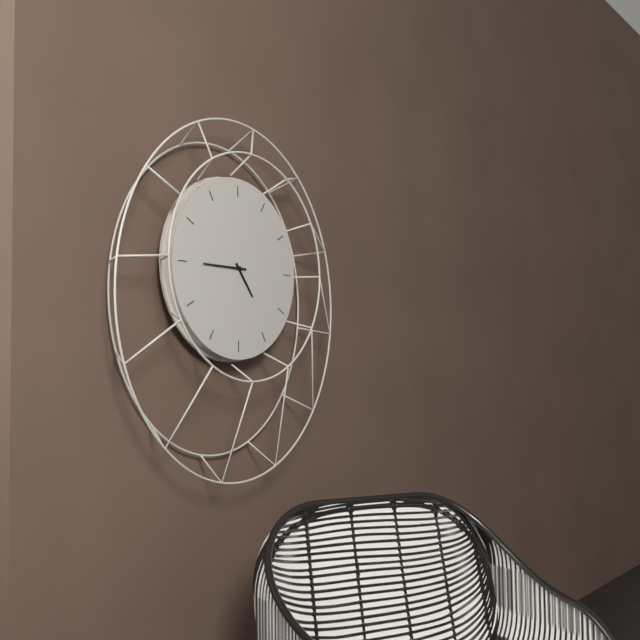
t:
4:45
